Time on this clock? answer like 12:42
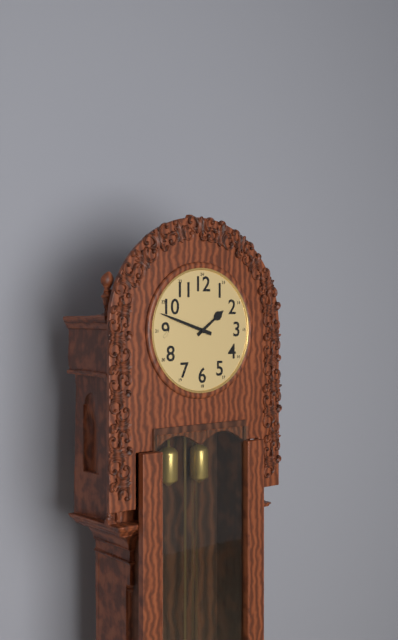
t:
1:48
